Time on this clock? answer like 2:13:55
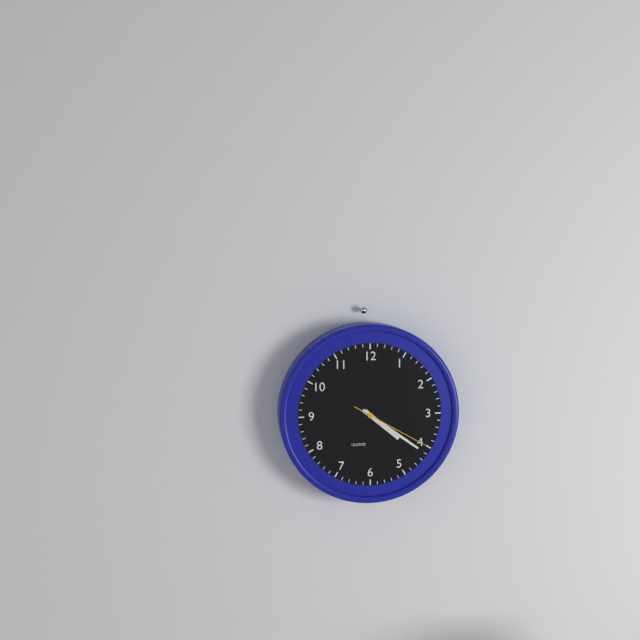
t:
4:21:20
